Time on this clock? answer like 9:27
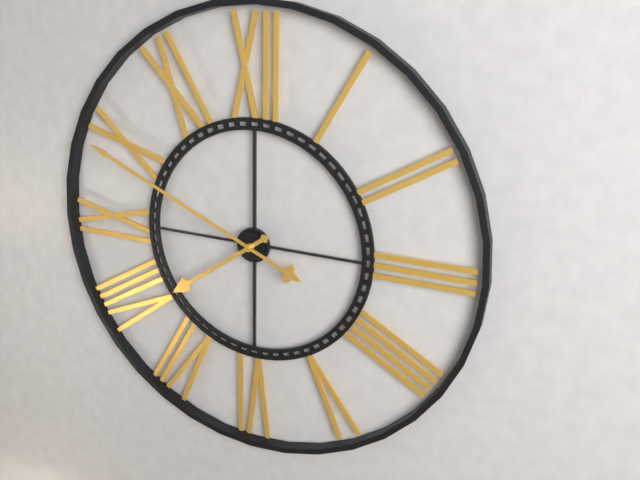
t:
7:49
